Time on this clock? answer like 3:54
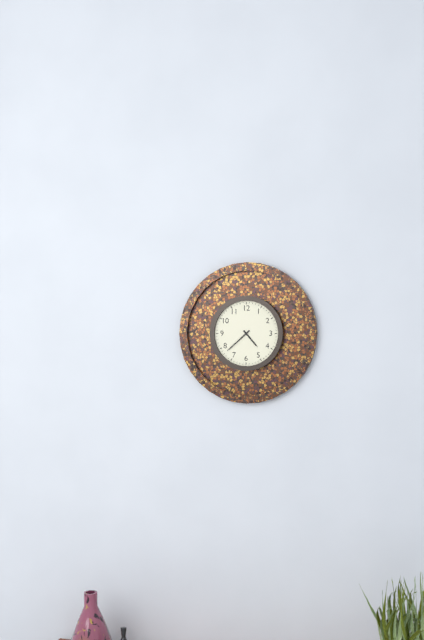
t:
4:38
